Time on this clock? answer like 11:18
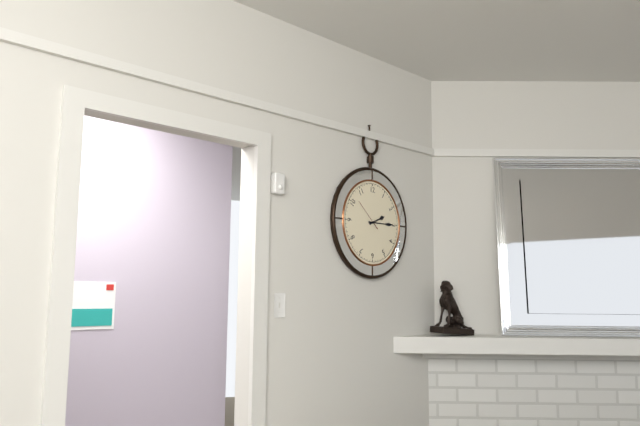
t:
2:15
